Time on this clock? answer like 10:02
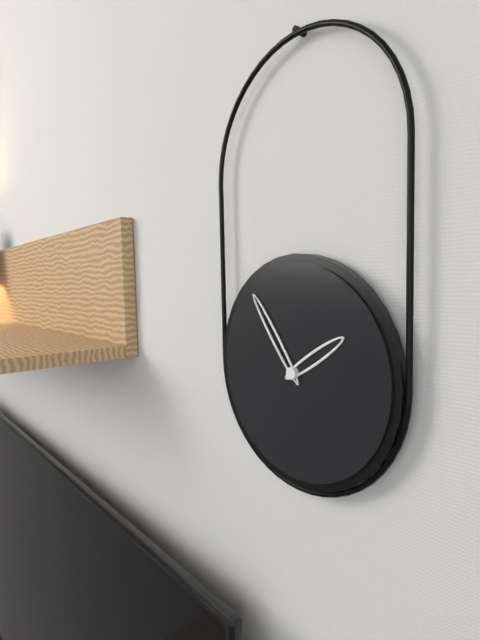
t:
1:54
